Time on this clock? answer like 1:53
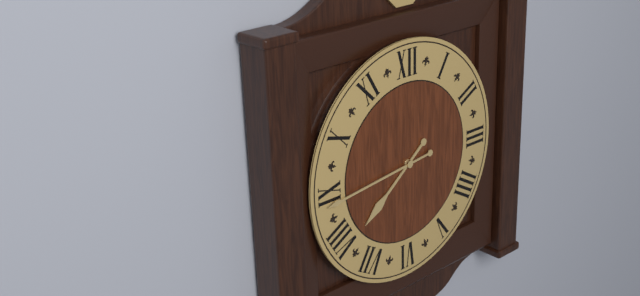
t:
7:44
